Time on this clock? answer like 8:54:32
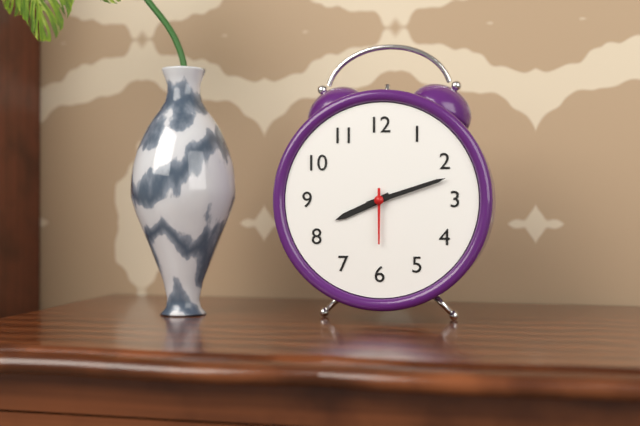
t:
8:12:30
